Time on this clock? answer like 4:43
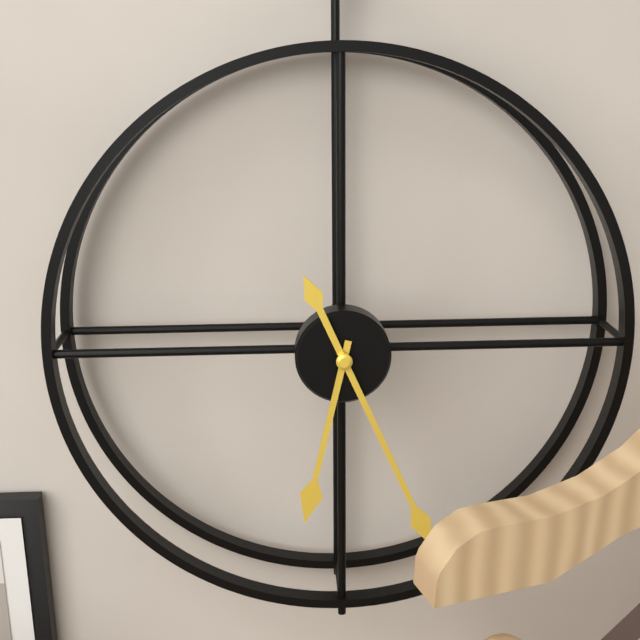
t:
6:26
